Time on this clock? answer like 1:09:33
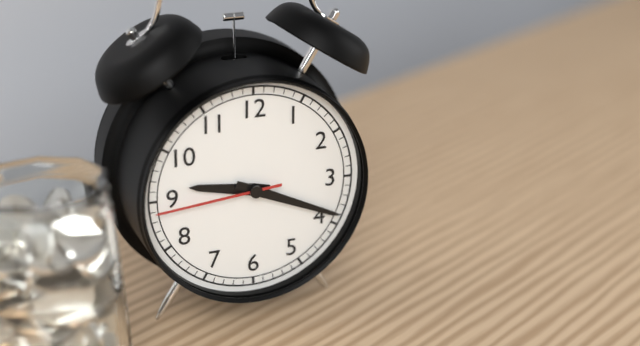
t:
9:19:44
